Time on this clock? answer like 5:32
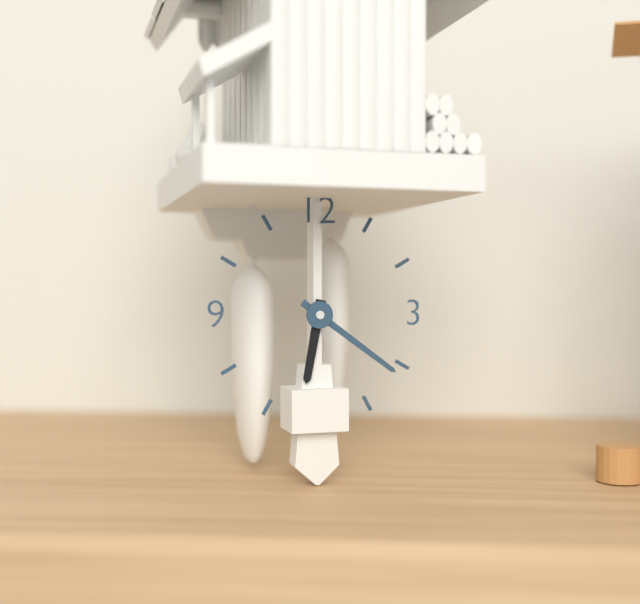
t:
6:21
